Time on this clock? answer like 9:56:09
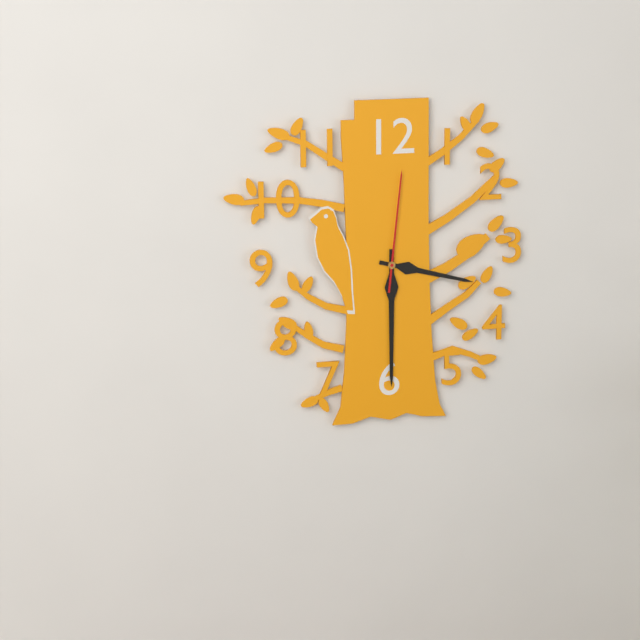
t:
3:30:01
